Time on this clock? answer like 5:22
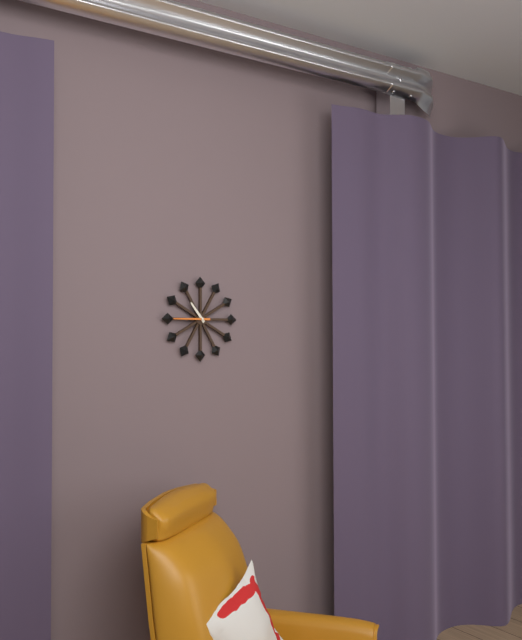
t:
10:45
